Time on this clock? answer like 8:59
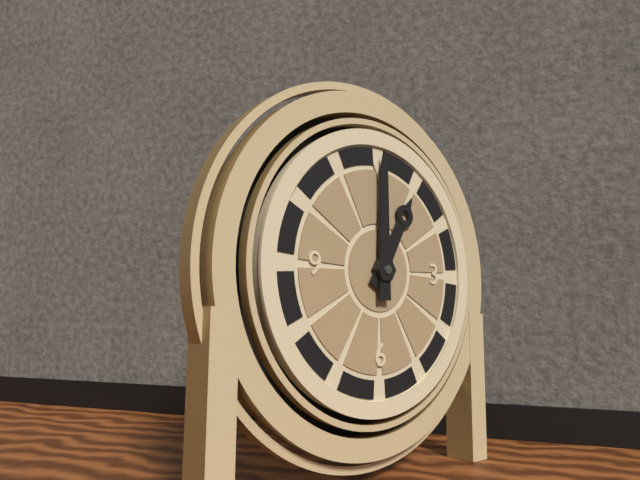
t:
1:00
